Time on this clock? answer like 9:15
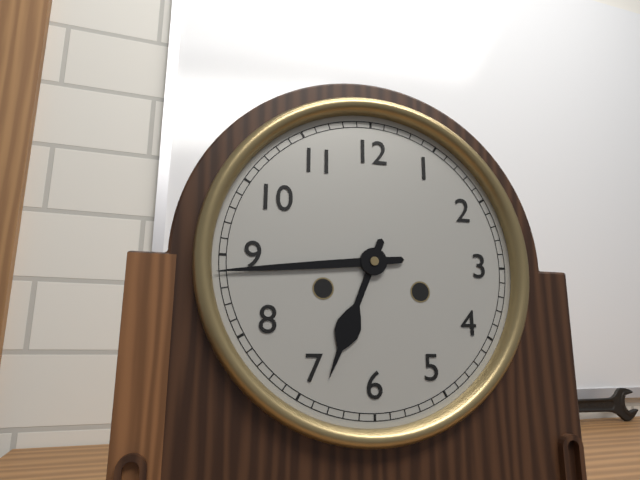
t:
6:44
